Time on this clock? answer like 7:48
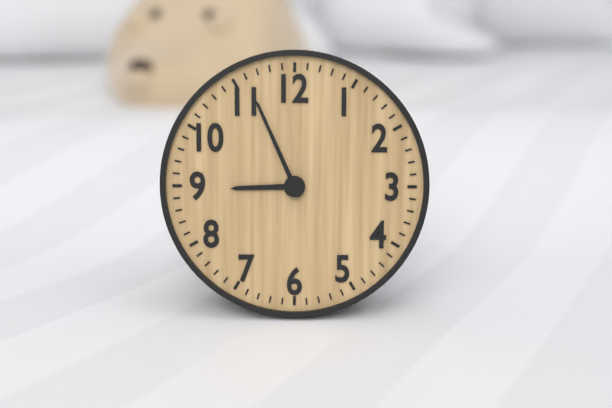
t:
8:56
